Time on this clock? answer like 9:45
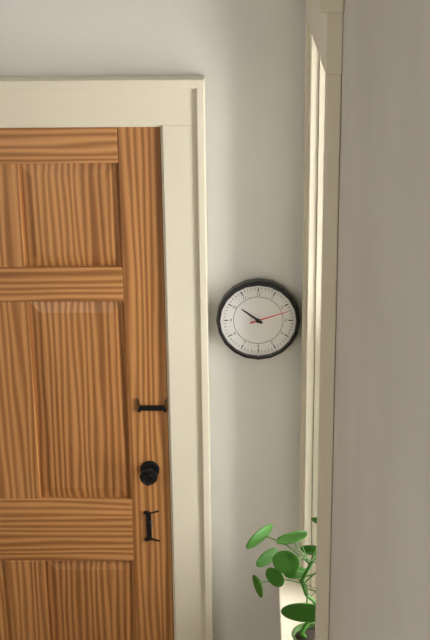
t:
10:12
